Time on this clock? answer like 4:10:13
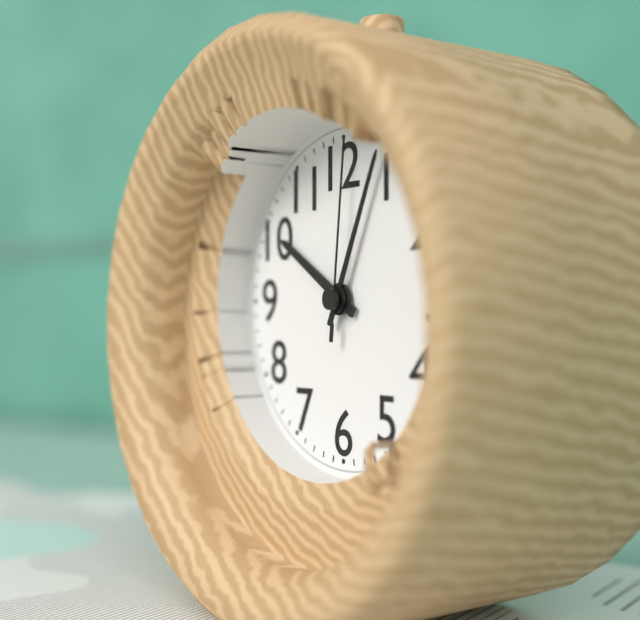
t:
10:04:01
